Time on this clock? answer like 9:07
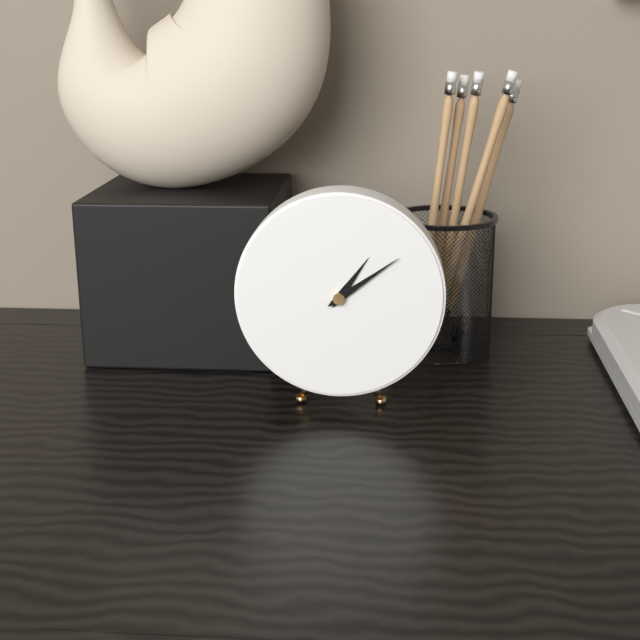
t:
1:09
